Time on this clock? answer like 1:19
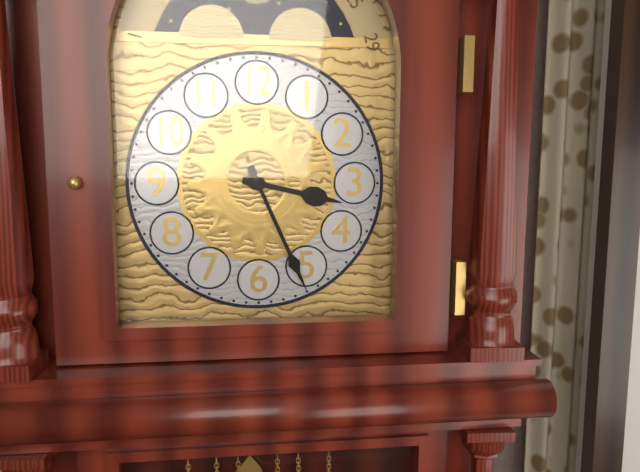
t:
3:26
